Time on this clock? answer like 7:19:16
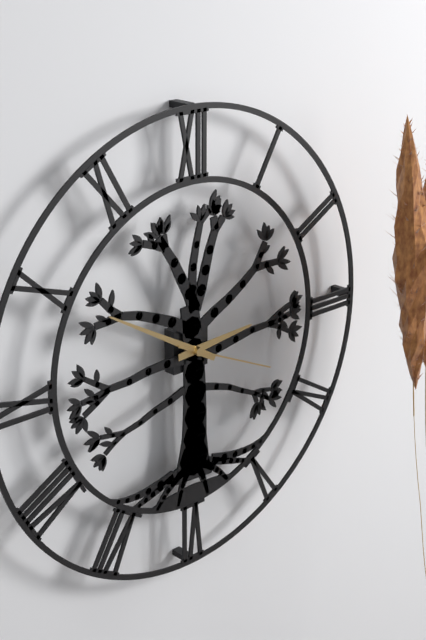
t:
2:50:19
